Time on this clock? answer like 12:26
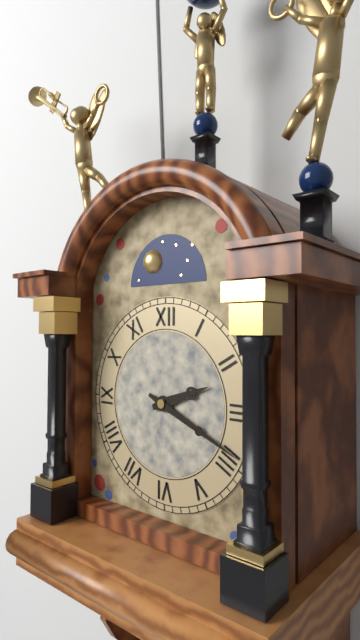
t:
2:19
